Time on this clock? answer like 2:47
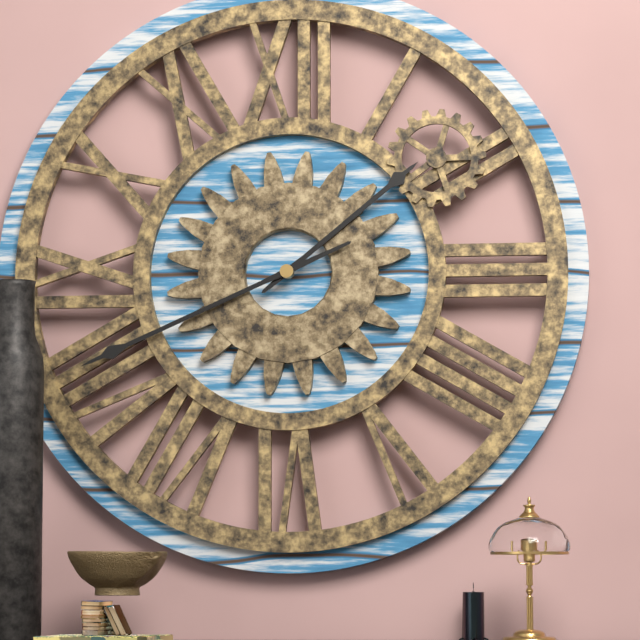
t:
1:41
